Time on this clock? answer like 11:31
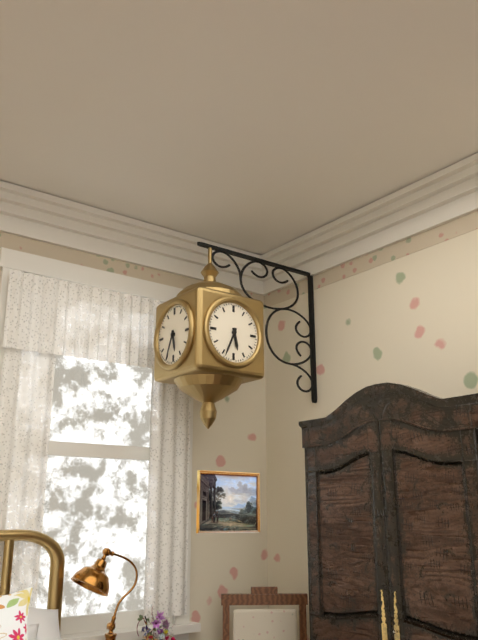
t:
5:34
